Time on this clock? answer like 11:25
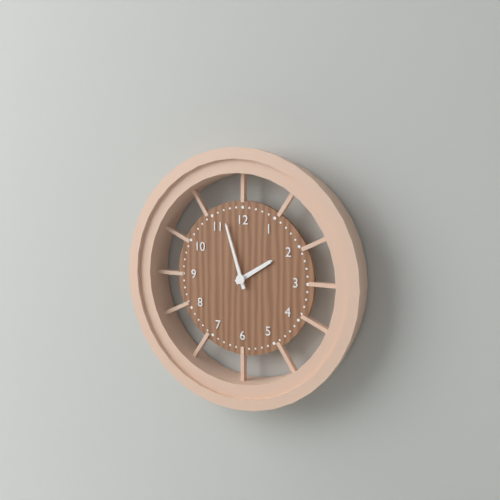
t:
1:57
